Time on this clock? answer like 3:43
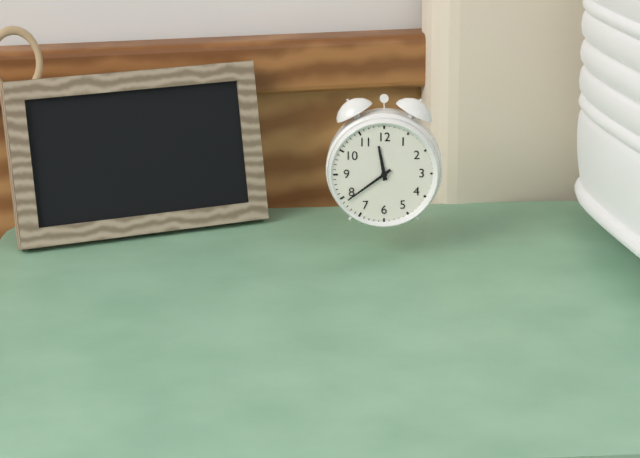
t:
11:39
